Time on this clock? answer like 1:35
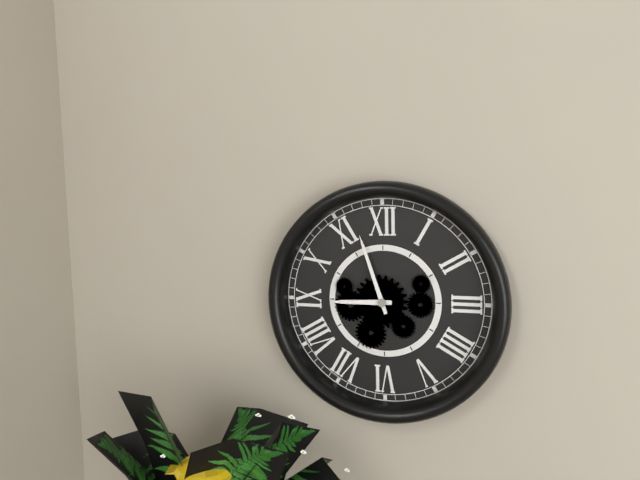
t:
8:57
